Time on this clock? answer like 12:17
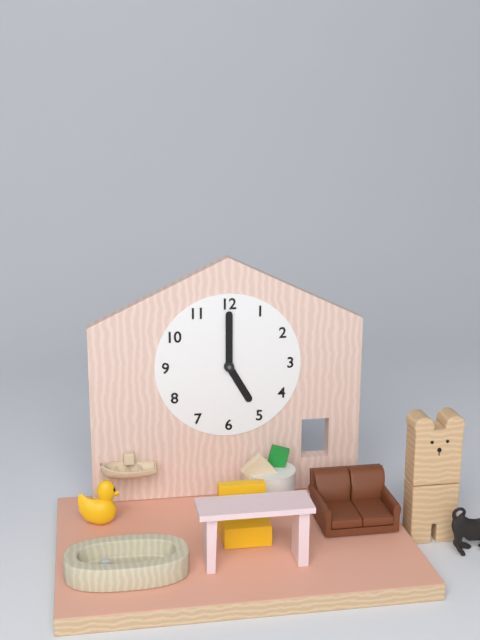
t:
5:00
